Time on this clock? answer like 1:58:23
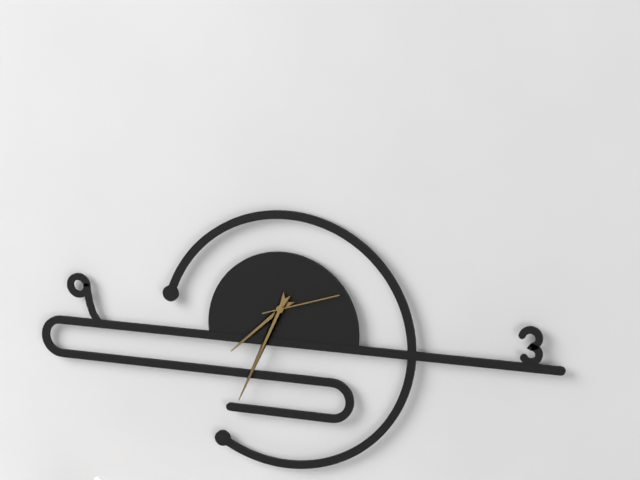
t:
7:34:12
